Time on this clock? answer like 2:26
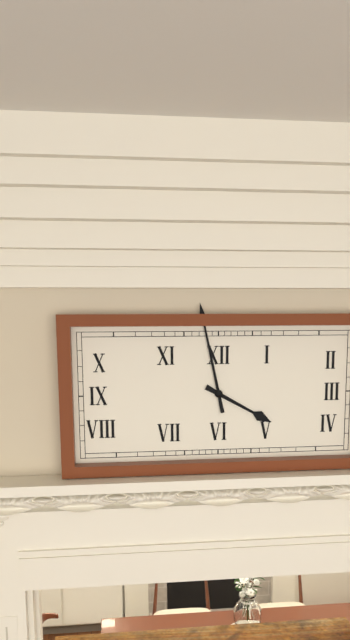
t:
3:58
